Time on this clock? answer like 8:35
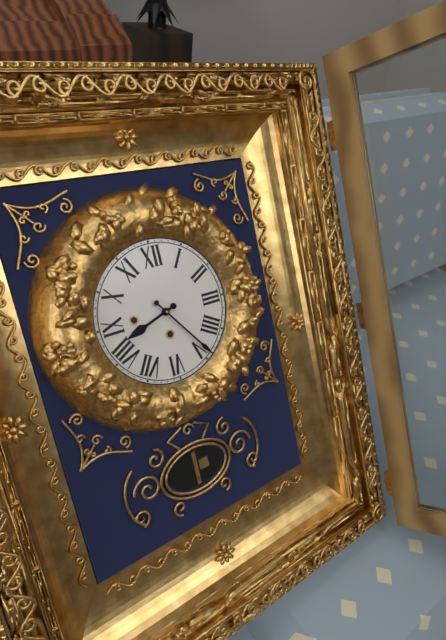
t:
8:24
